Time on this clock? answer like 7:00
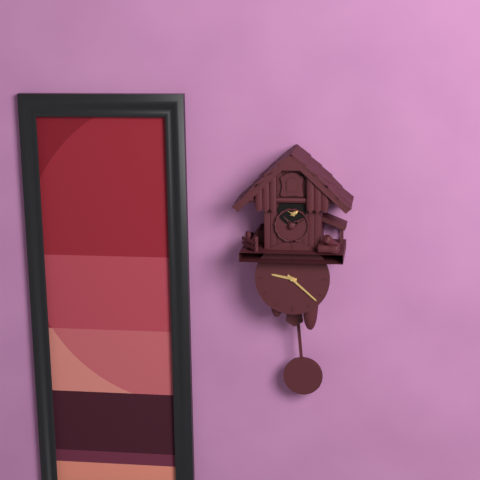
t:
9:22
